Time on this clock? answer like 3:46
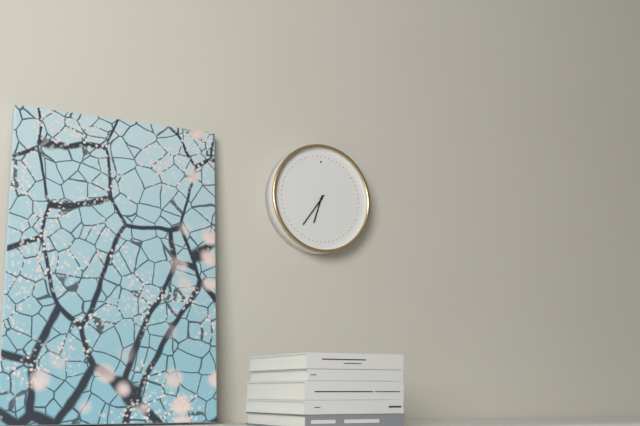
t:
6:36
